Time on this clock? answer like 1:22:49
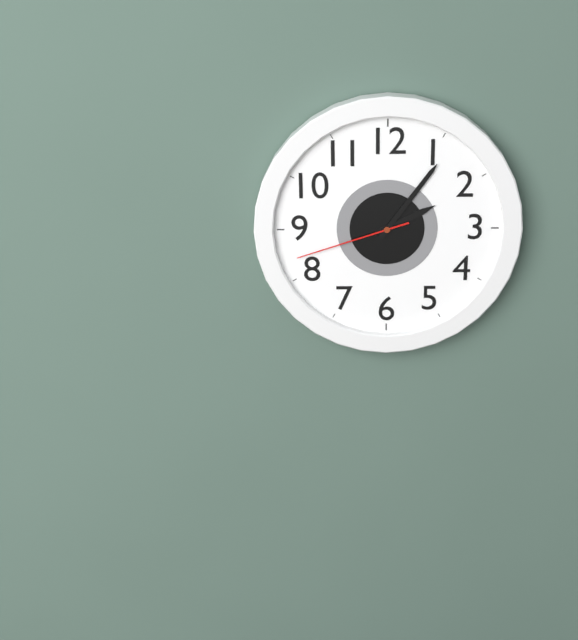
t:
2:06:42
